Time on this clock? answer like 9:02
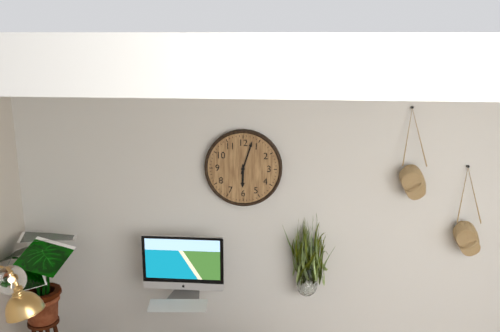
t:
6:03
